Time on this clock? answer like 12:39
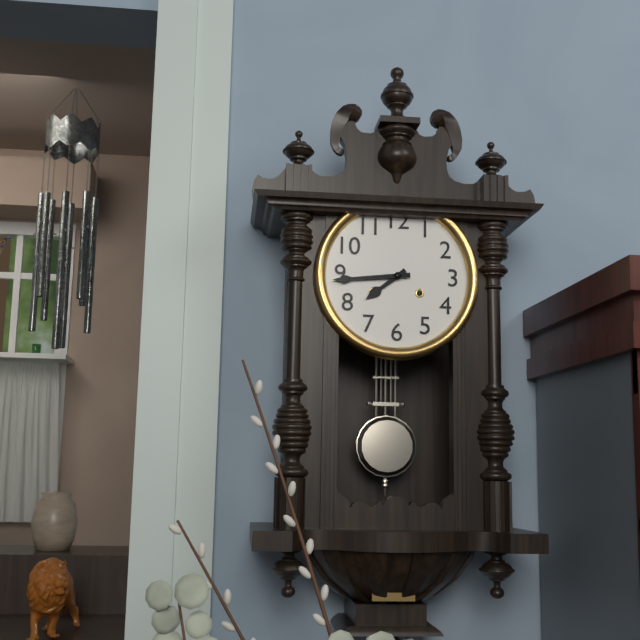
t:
7:44
